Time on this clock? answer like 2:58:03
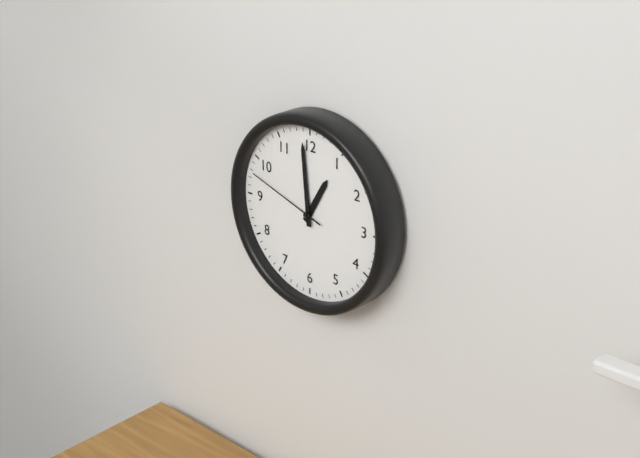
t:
12:59:48
